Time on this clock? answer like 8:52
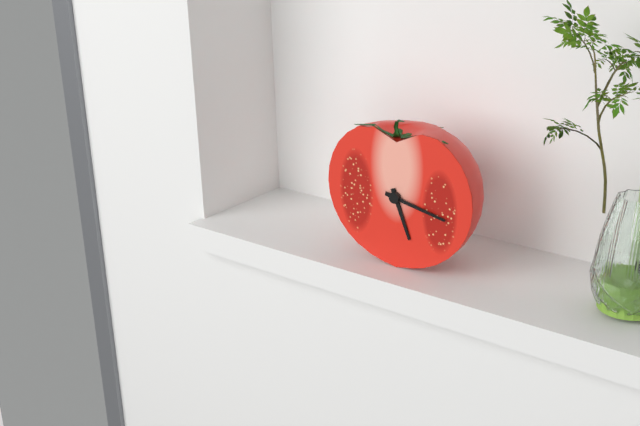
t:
5:17
